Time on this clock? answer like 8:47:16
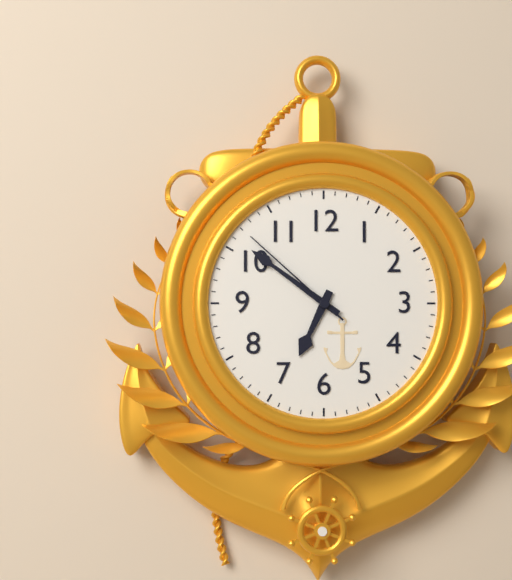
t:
6:51:52
